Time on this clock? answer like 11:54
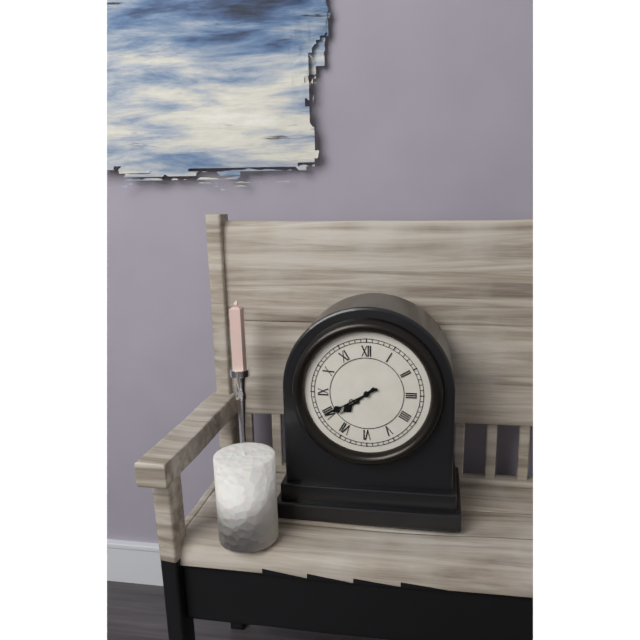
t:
7:40
